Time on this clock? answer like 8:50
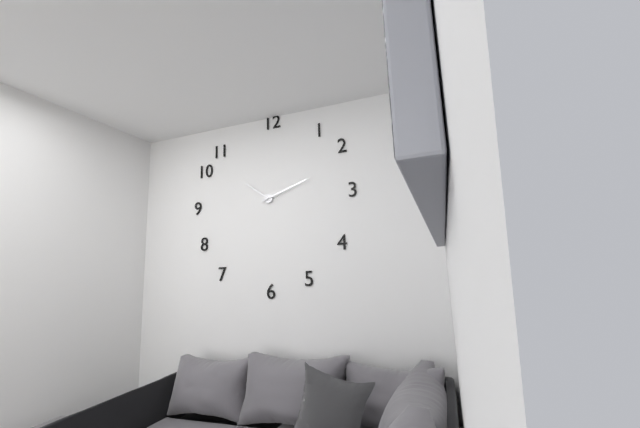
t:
10:12
